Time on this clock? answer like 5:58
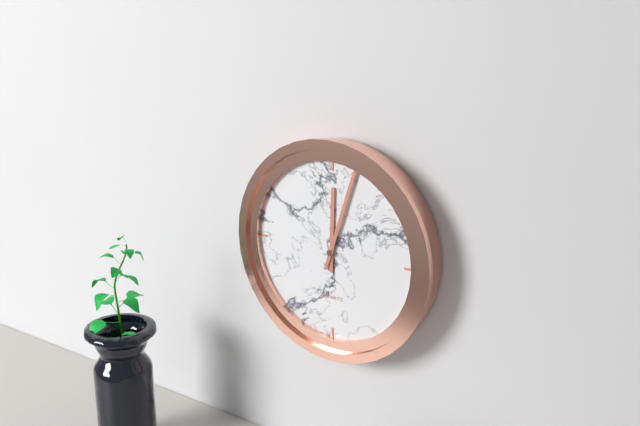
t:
12:03
